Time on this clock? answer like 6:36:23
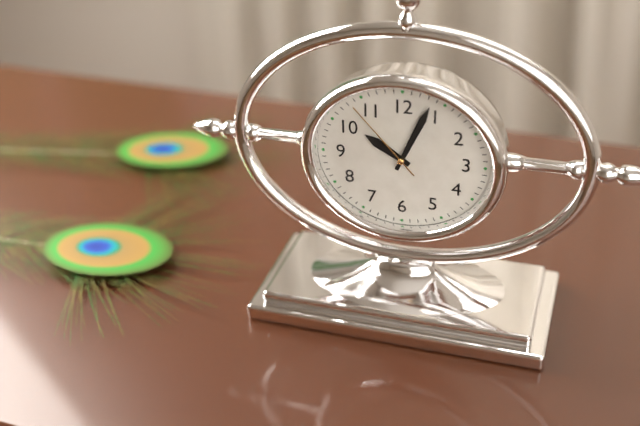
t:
10:04:53
